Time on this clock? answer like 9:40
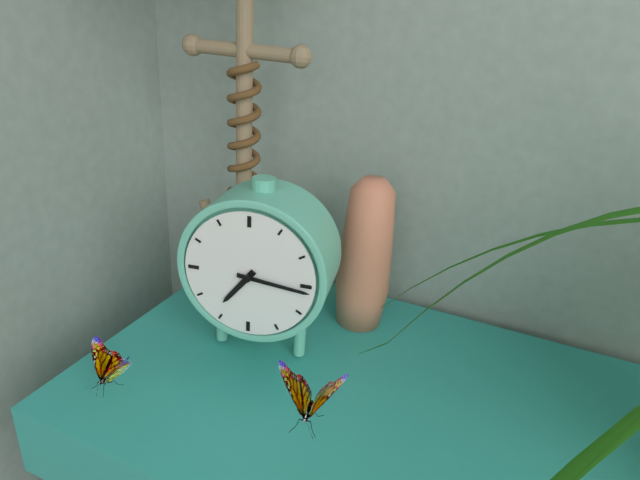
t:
7:16
